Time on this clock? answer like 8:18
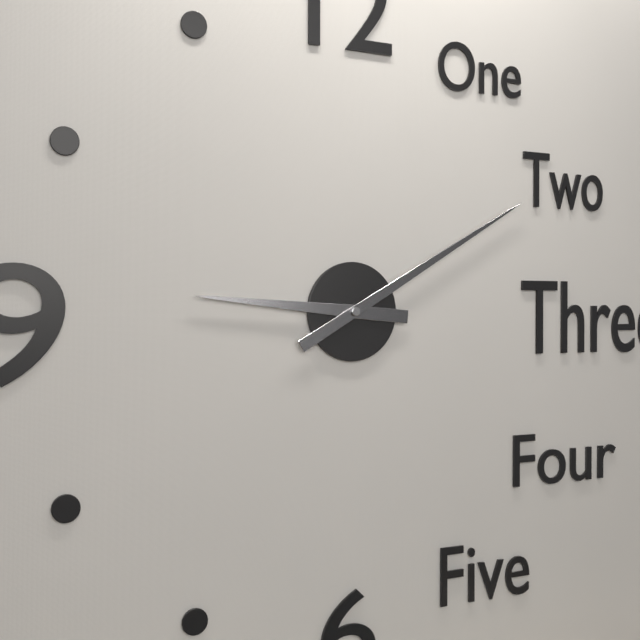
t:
9:10
